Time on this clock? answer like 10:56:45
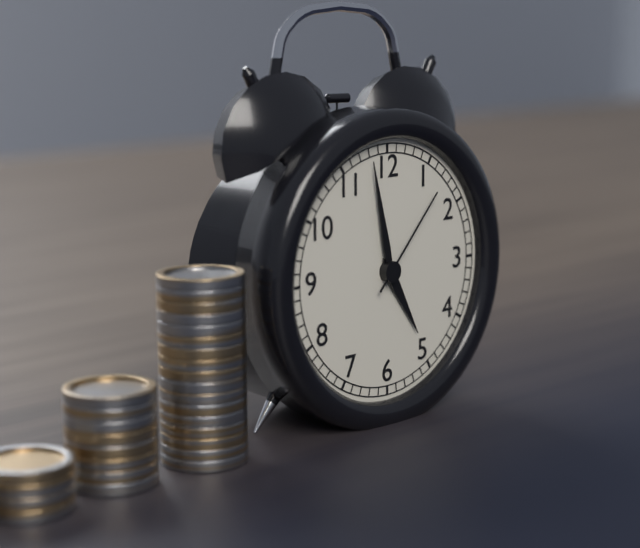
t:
4:58:07
